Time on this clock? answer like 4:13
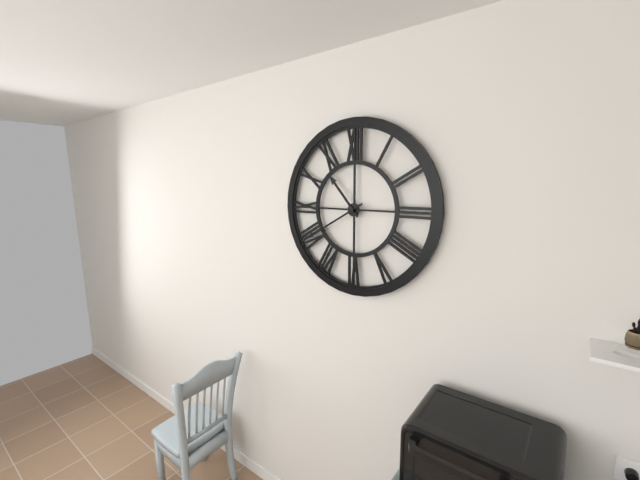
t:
10:40
